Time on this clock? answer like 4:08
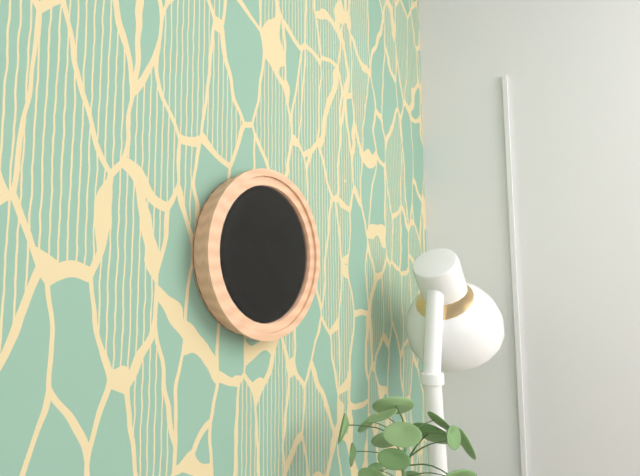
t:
2:06
